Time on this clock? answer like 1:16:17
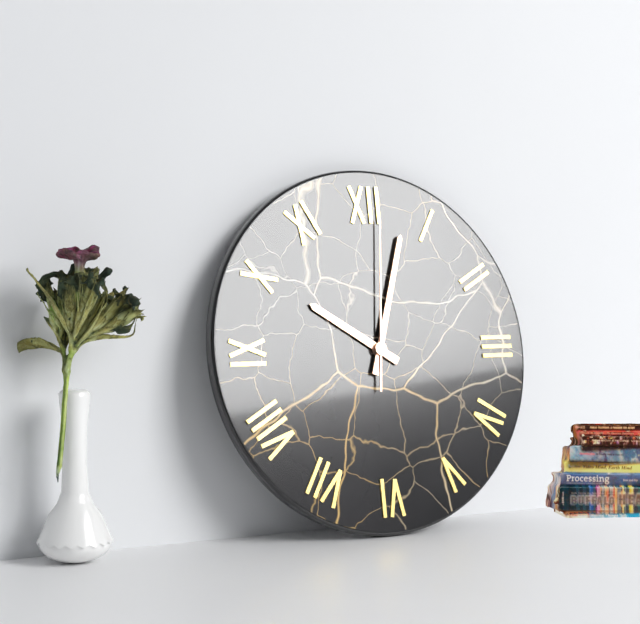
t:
10:03:01
